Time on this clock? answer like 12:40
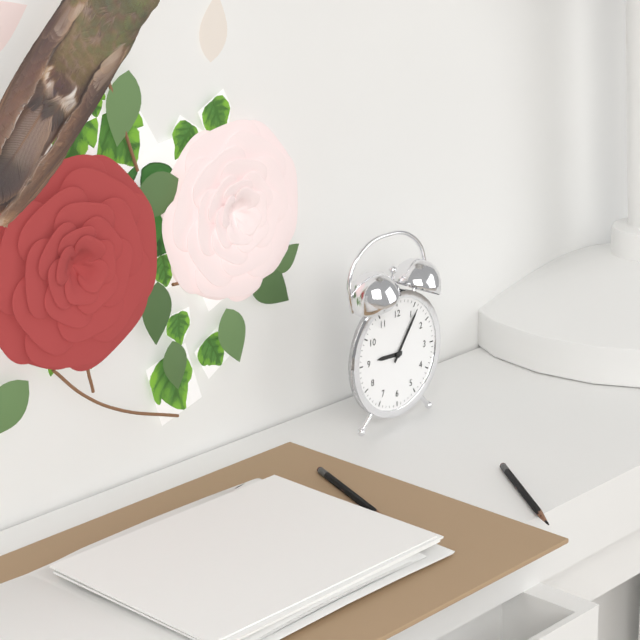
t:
9:06
